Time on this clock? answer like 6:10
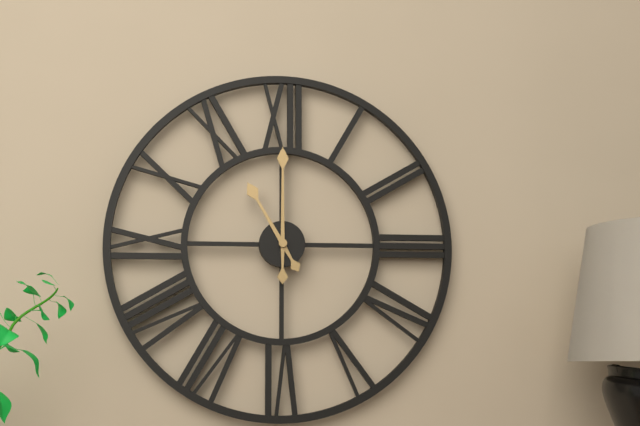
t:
11:00
